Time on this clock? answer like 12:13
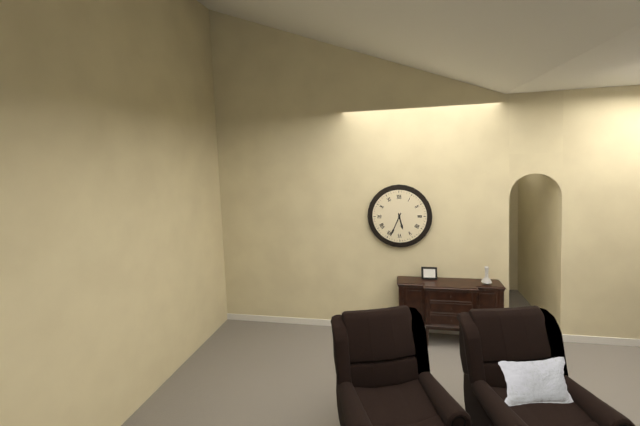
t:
5:34
